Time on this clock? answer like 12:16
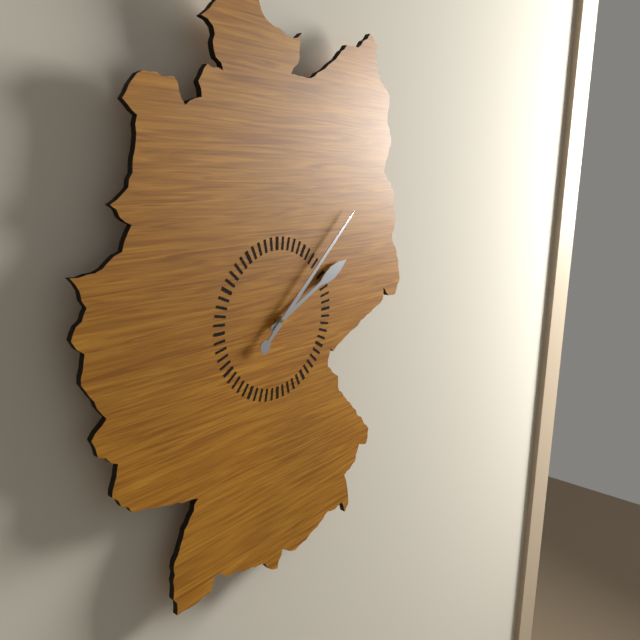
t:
2:08
